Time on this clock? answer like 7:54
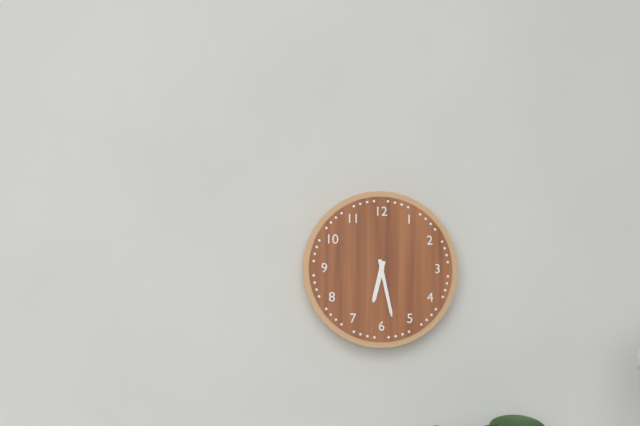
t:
6:28
